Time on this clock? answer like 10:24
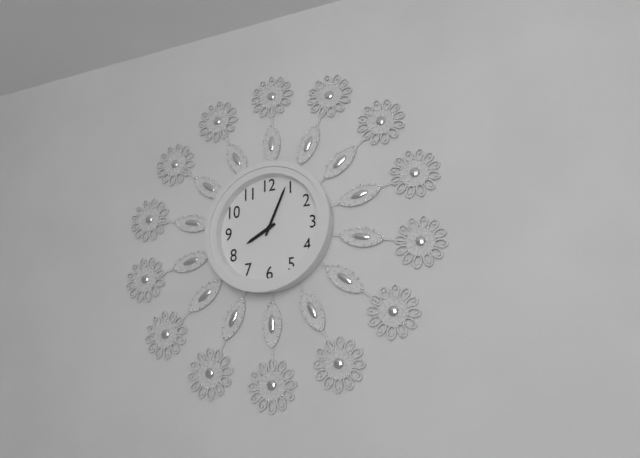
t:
8:04
